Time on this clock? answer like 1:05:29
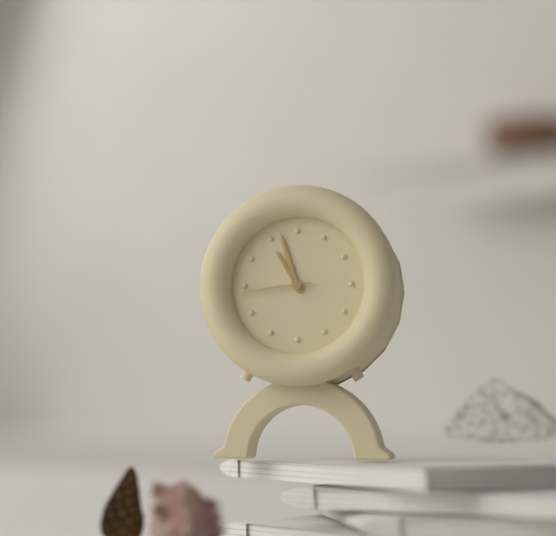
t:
10:57:44
